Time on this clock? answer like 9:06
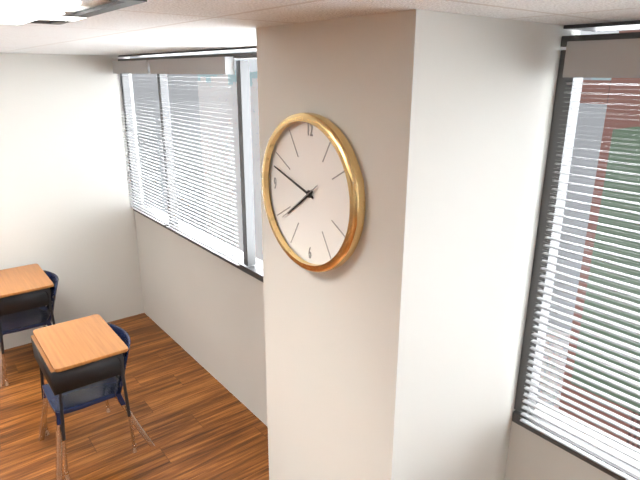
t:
7:48
